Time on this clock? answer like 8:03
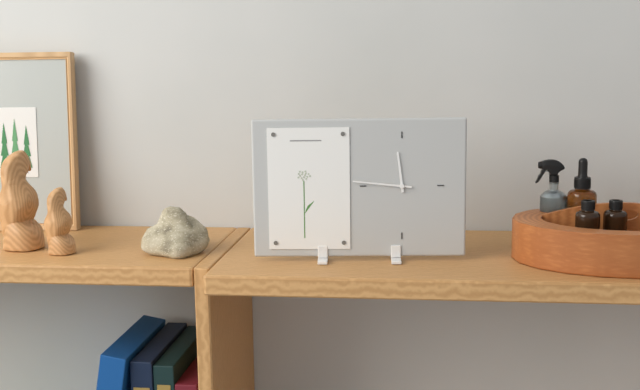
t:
11:46
